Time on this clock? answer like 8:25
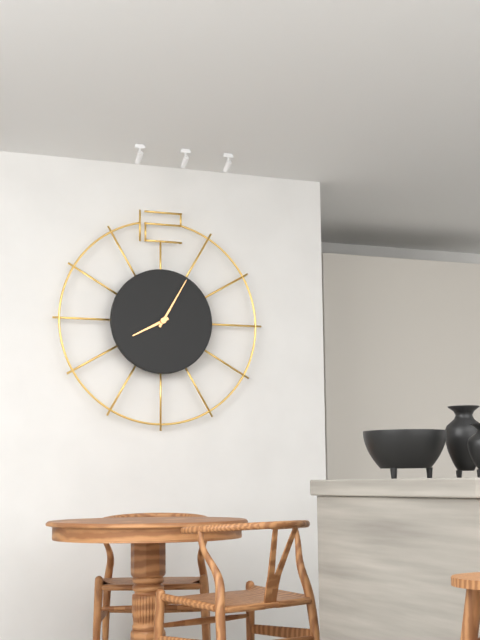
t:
8:05
